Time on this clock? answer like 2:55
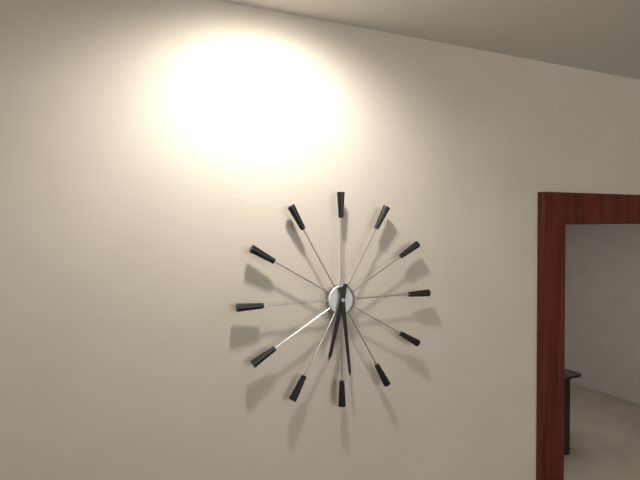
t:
6:29
